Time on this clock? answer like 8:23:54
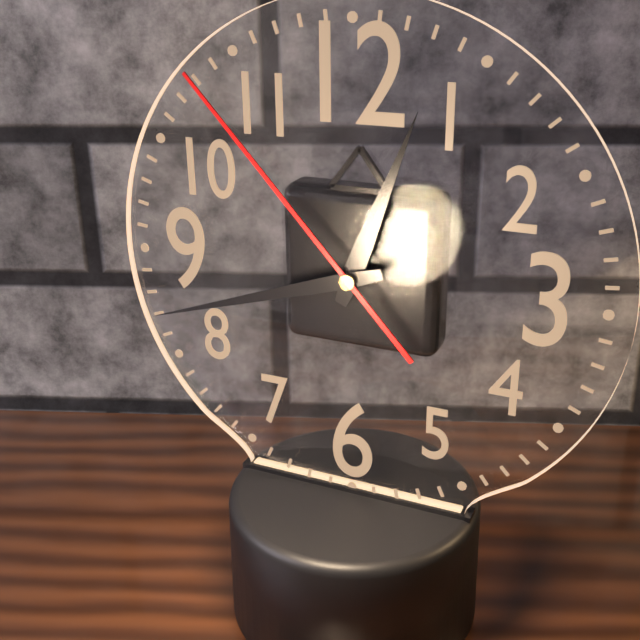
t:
12:42:53
